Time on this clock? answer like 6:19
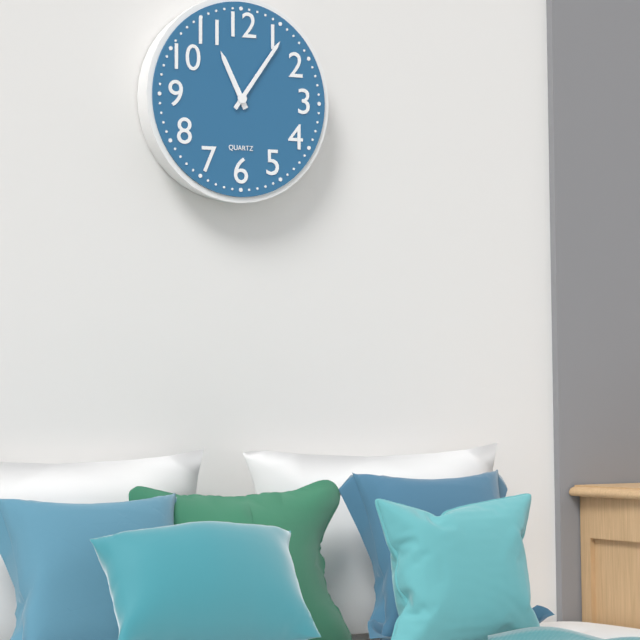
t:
11:06
